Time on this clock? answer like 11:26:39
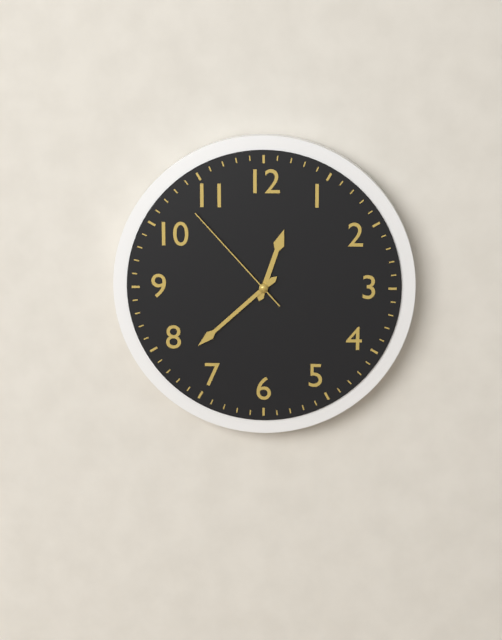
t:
12:38:53
